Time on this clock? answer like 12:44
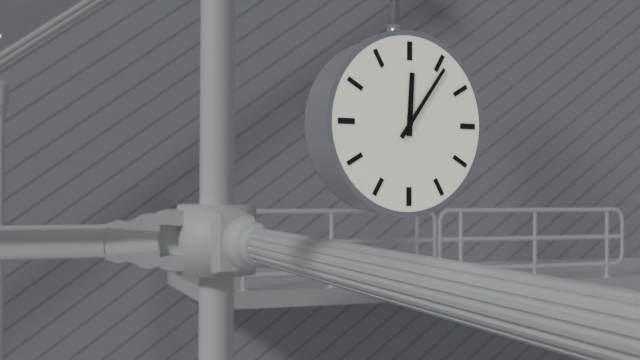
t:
12:06
